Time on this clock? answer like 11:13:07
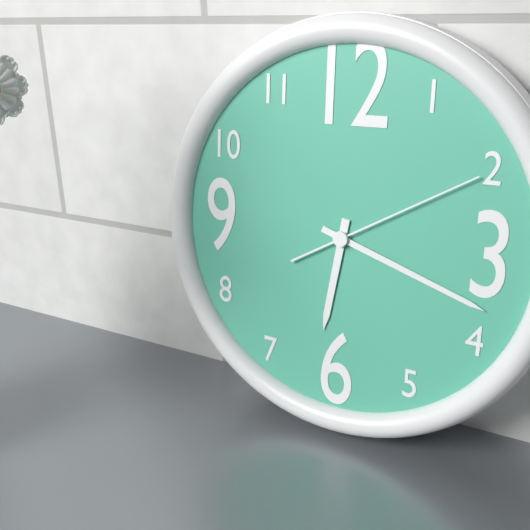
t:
6:18:10
